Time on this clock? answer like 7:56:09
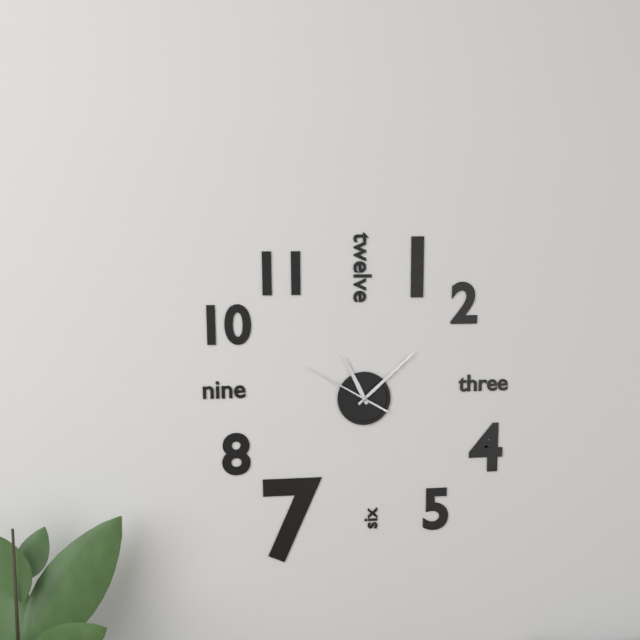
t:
11:08:50
